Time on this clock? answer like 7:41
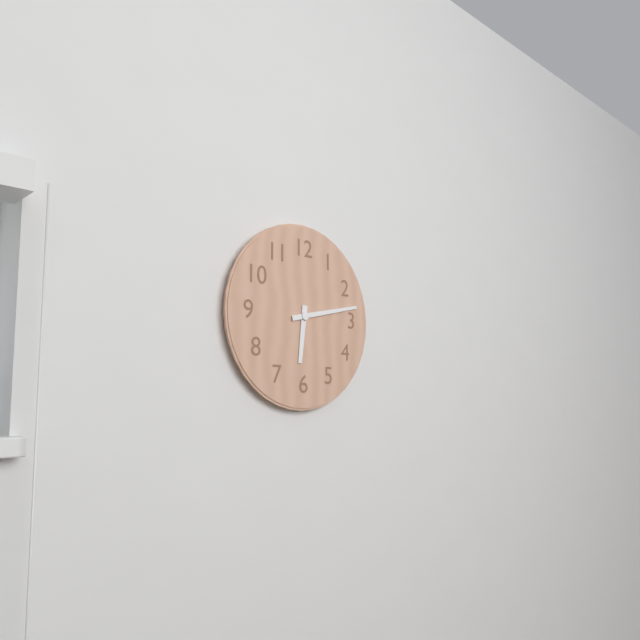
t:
6:13
